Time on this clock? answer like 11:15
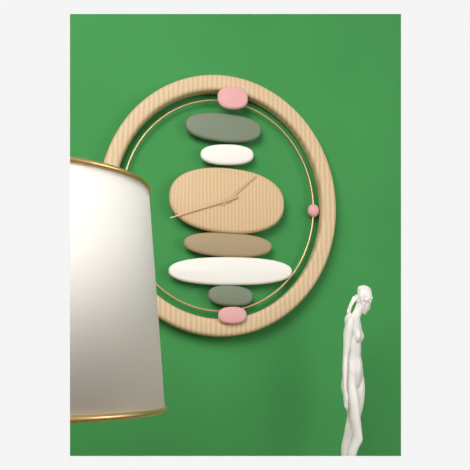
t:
1:42
